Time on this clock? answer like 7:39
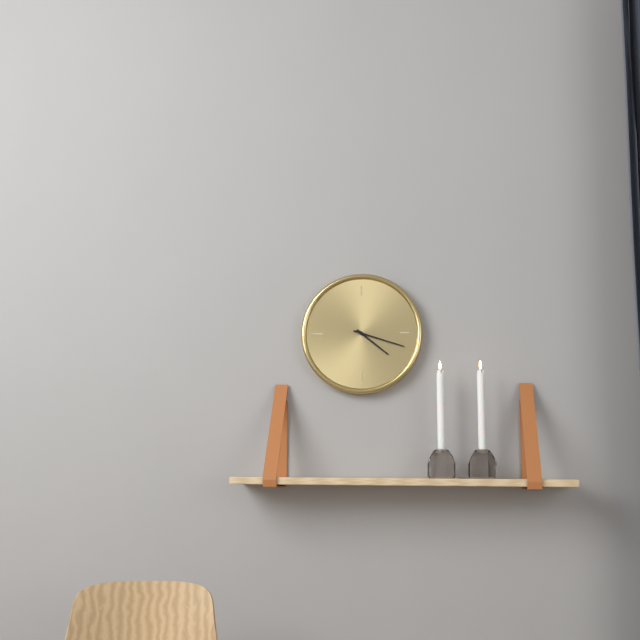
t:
4:18
